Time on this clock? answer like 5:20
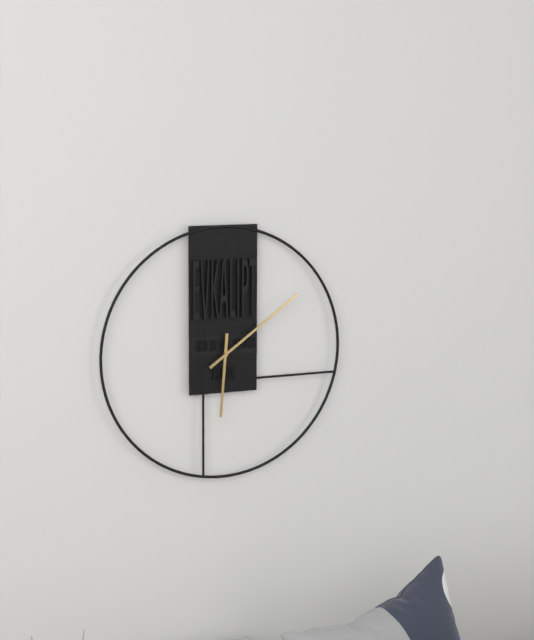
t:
6:09
